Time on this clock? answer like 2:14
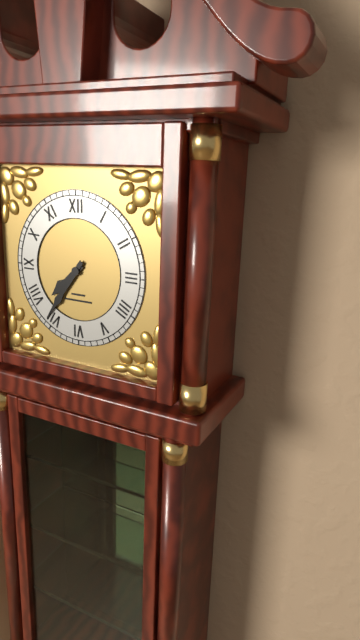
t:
7:36
